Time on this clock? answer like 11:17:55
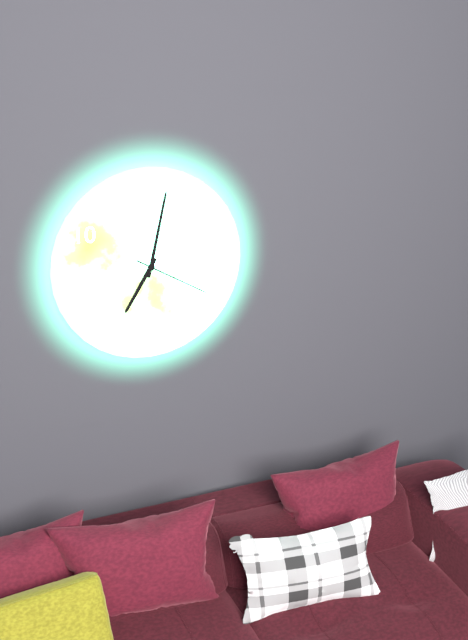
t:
7:02:20
